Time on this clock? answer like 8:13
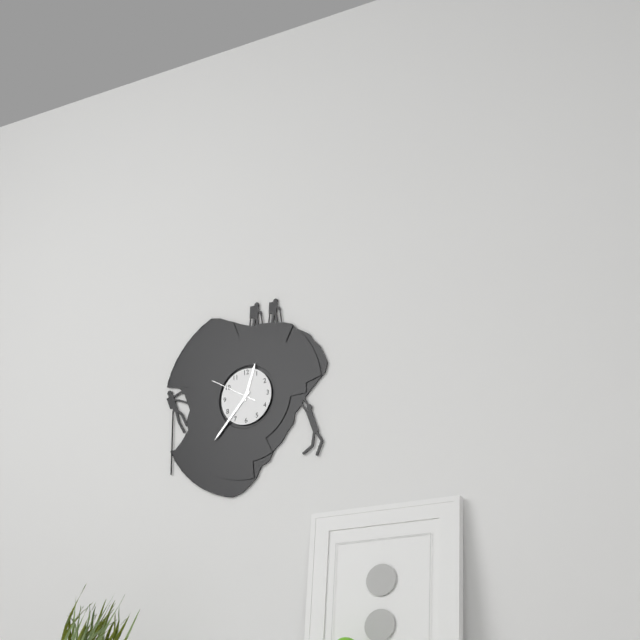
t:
12:37
